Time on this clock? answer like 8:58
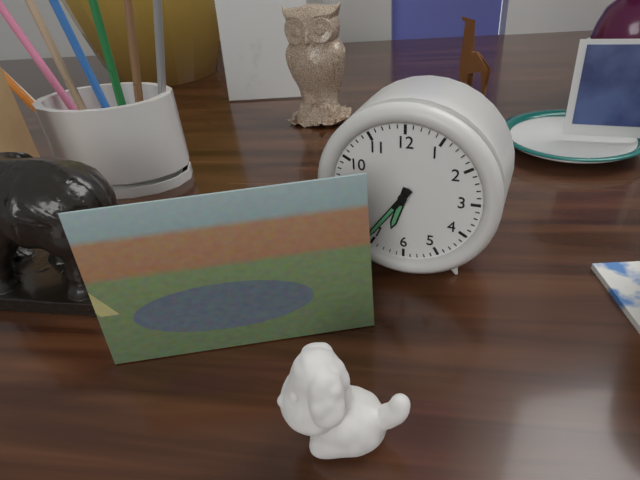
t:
6:36
